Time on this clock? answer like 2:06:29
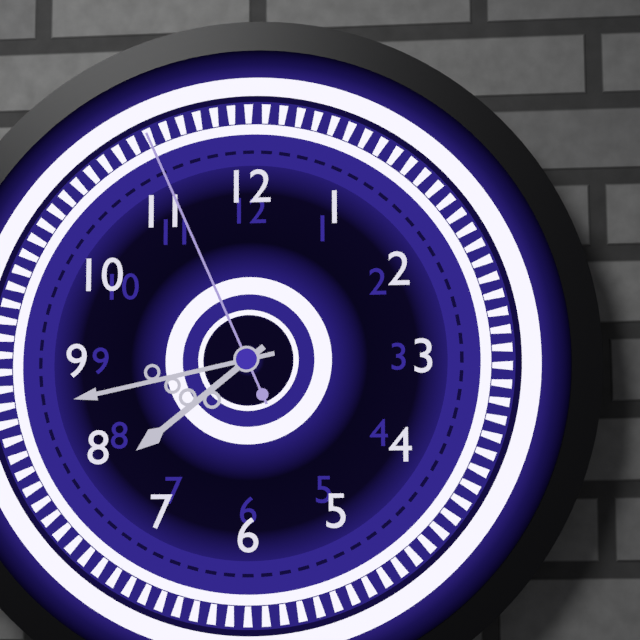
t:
7:43:56
